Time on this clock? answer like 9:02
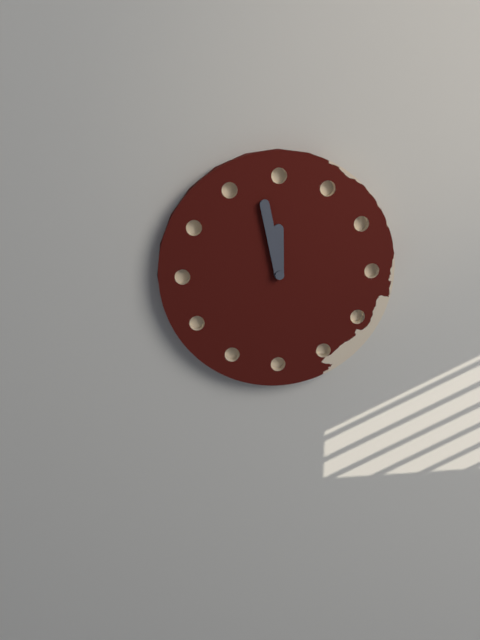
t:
11:58
